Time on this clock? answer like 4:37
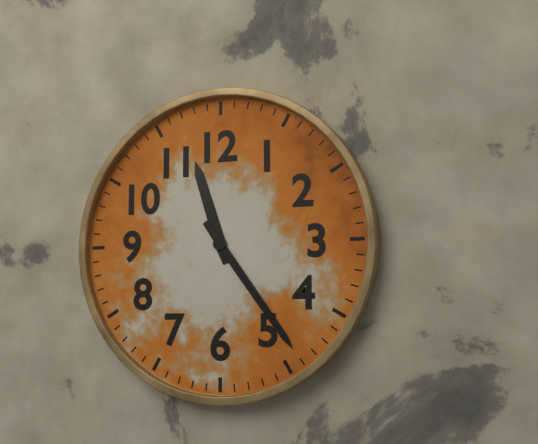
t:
11:24
